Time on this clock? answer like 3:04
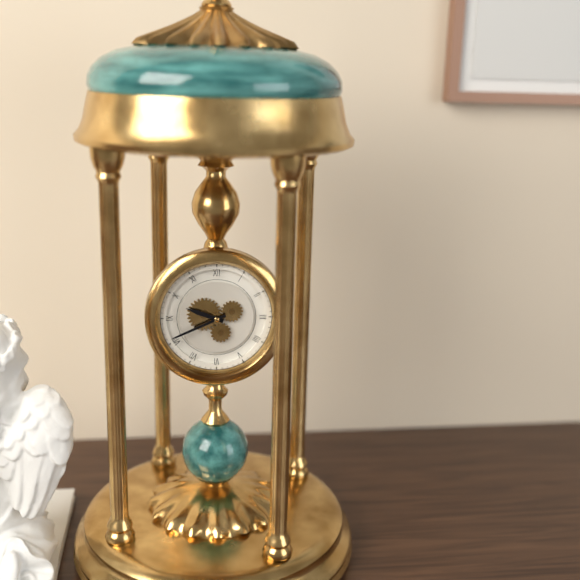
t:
9:41
